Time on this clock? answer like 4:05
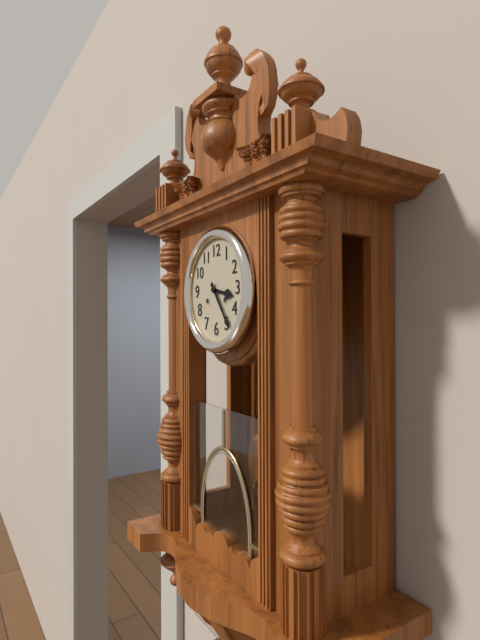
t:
3:24
